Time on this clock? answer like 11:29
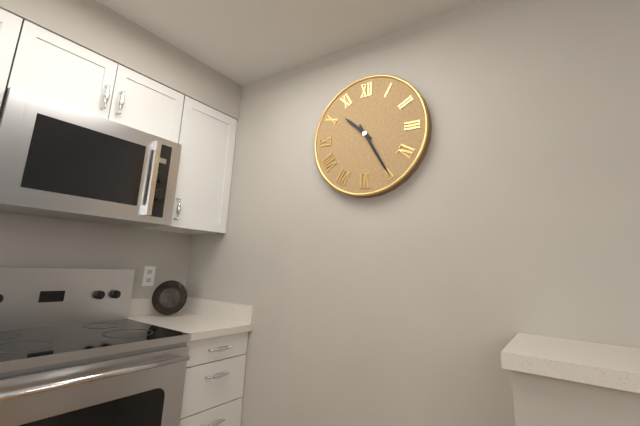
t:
10:25
